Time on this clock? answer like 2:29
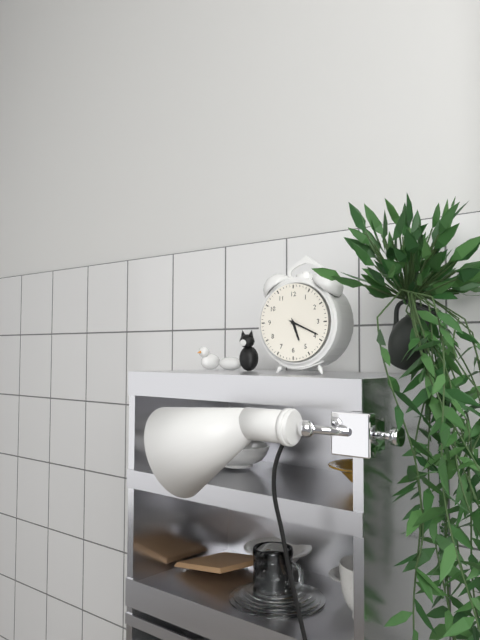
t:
5:19
